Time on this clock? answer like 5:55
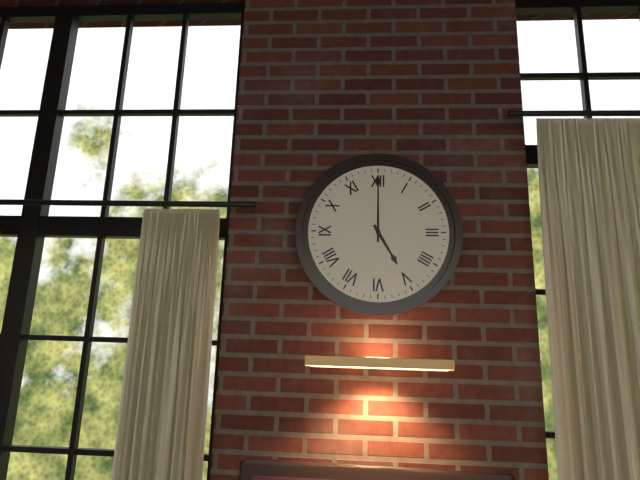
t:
5:00
